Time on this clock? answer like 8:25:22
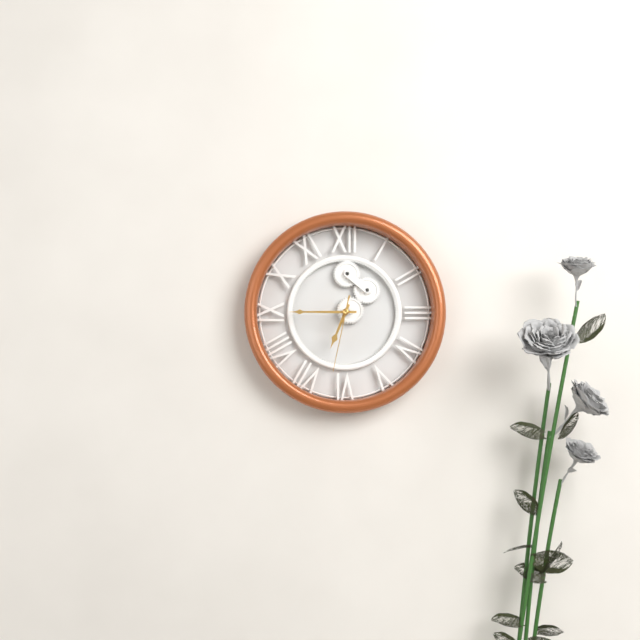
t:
6:45:32
